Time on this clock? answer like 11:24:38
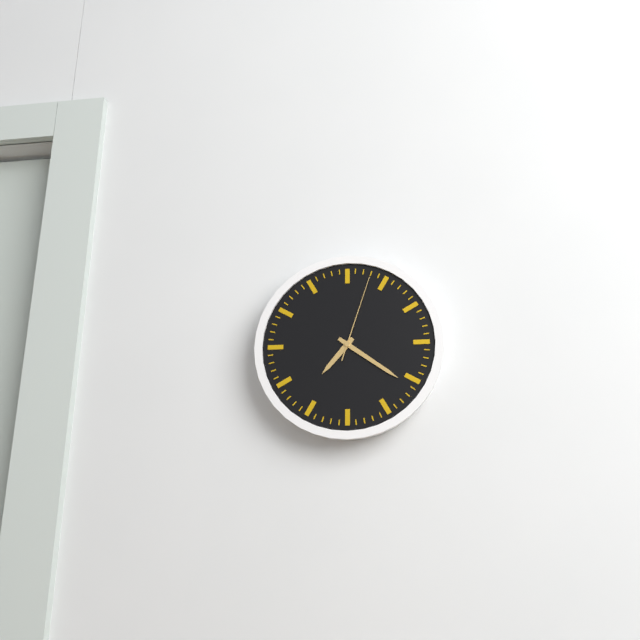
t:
7:21:03
